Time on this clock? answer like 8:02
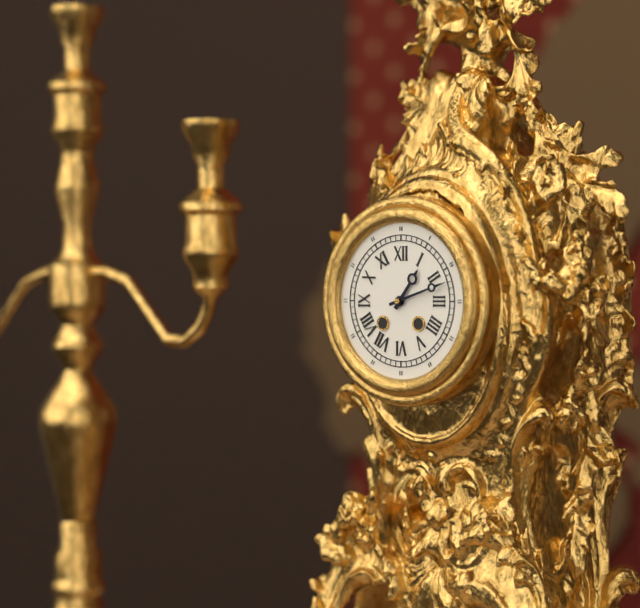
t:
1:12
